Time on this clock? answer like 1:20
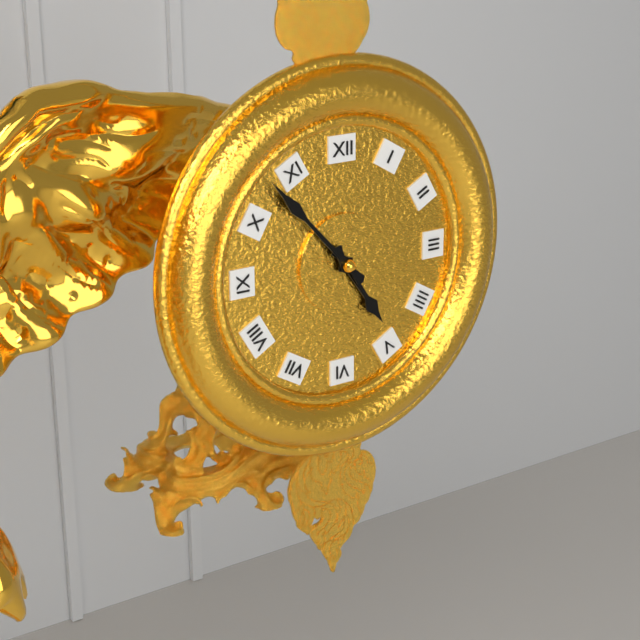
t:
4:53
